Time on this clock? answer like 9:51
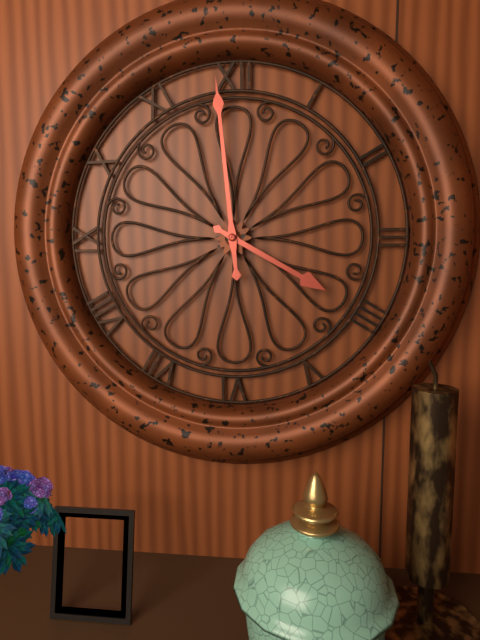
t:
3:59
